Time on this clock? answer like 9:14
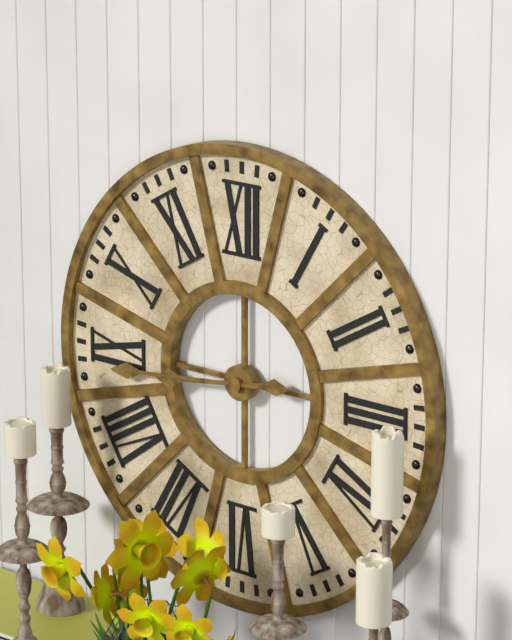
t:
8:44
